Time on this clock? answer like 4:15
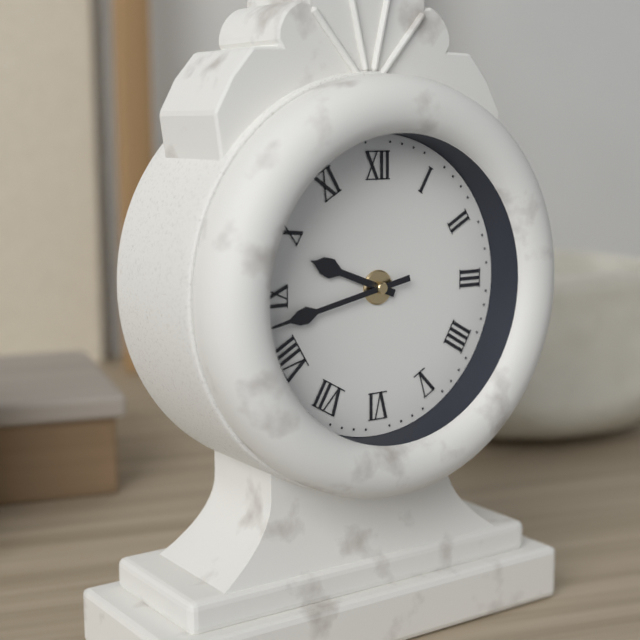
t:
9:43
